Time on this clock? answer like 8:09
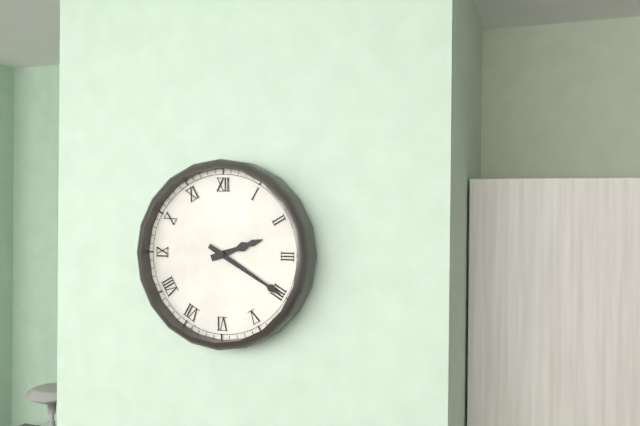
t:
2:20
